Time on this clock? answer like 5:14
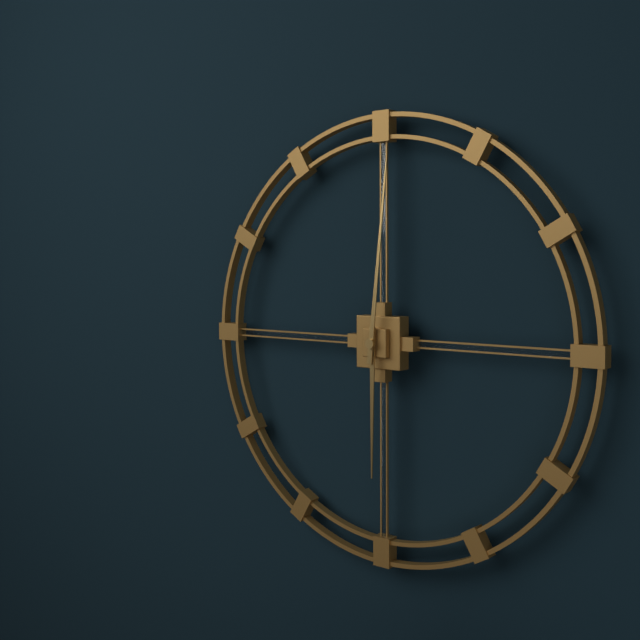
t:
6:01
